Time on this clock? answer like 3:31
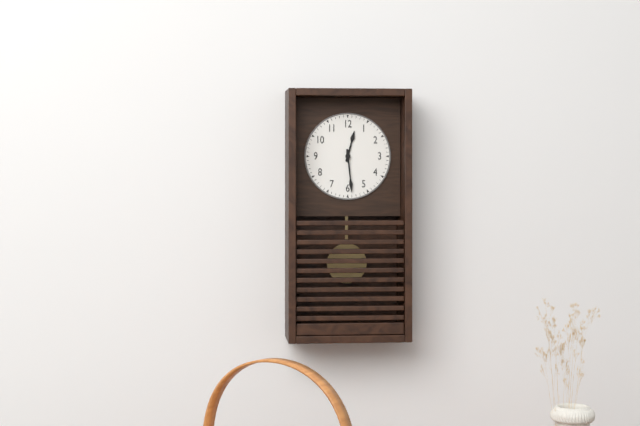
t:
12:29
